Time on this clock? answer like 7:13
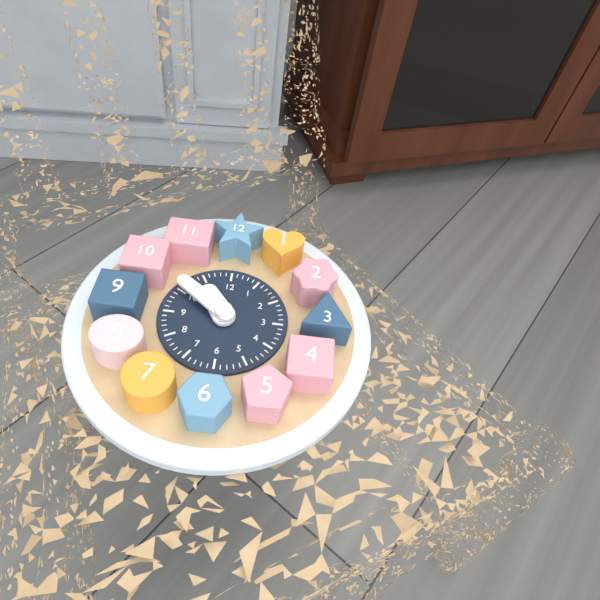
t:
10:51
